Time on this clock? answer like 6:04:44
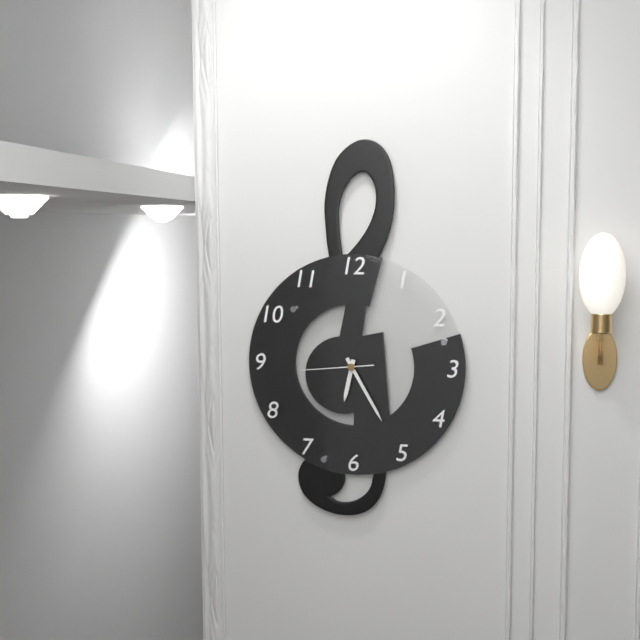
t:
6:25:44
